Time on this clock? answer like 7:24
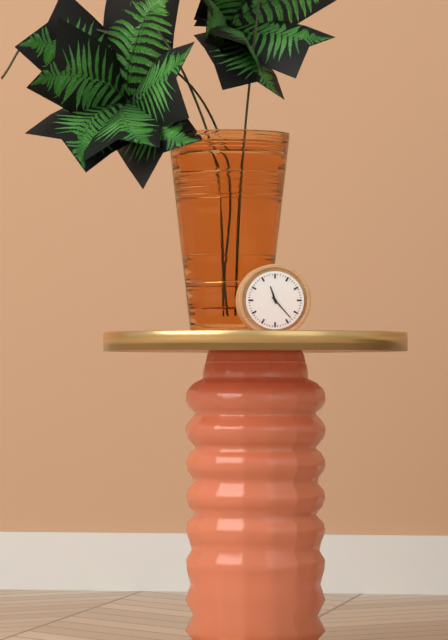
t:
11:23
